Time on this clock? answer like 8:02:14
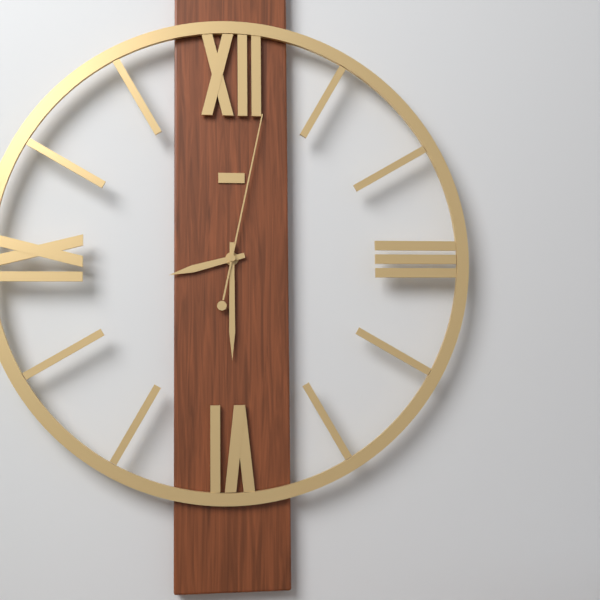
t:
8:30:02
